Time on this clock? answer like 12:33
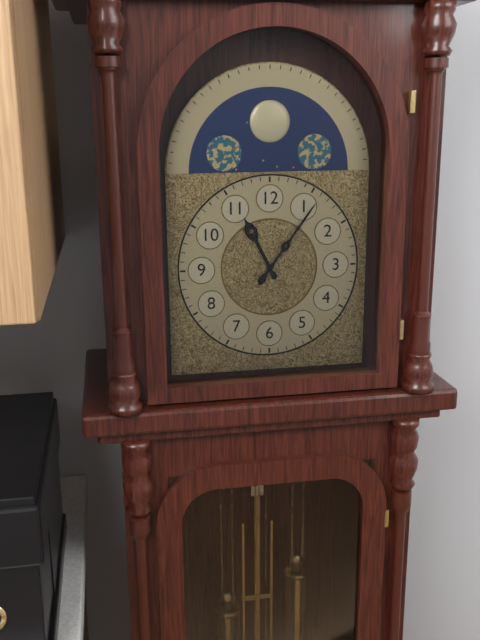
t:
11:06
